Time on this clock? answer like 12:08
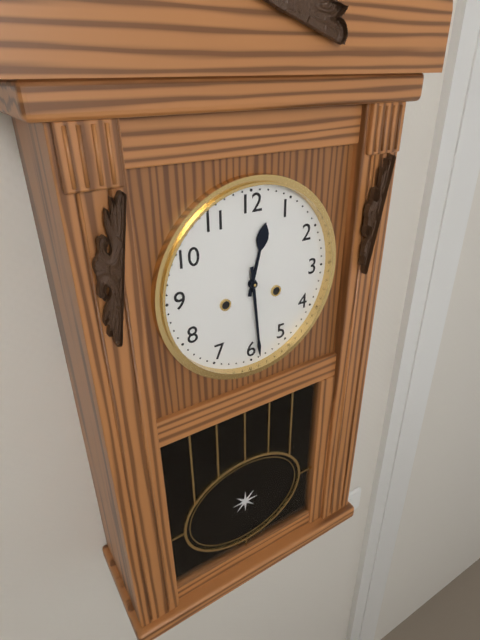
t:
12:29
